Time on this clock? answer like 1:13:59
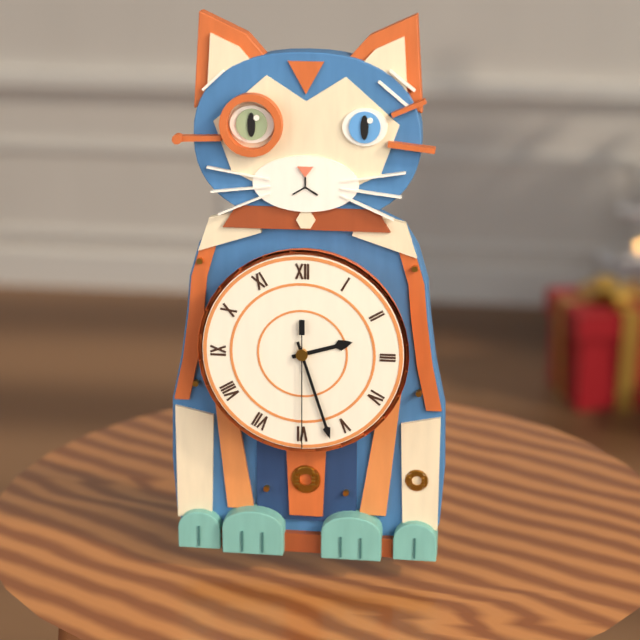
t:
2:27:30
